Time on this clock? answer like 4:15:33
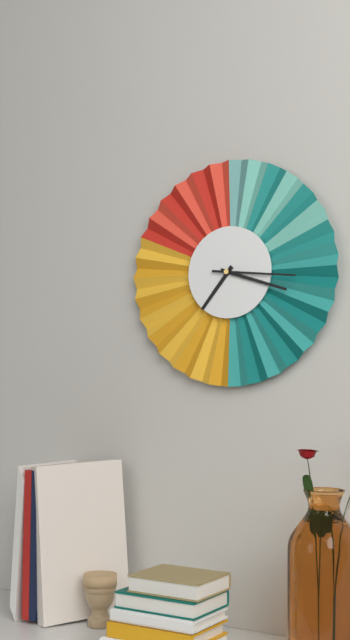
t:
7:18:16
